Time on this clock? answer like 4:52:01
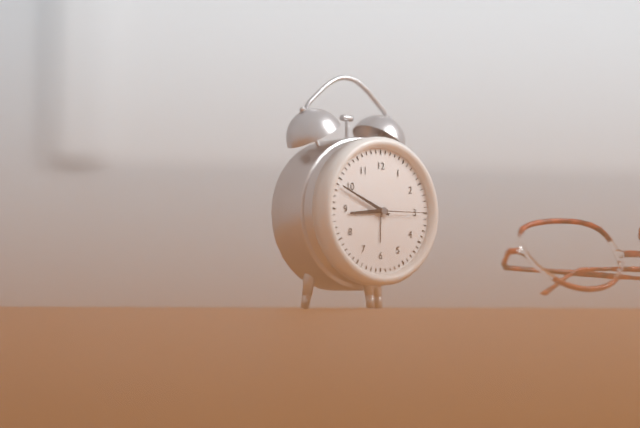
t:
8:49:15
